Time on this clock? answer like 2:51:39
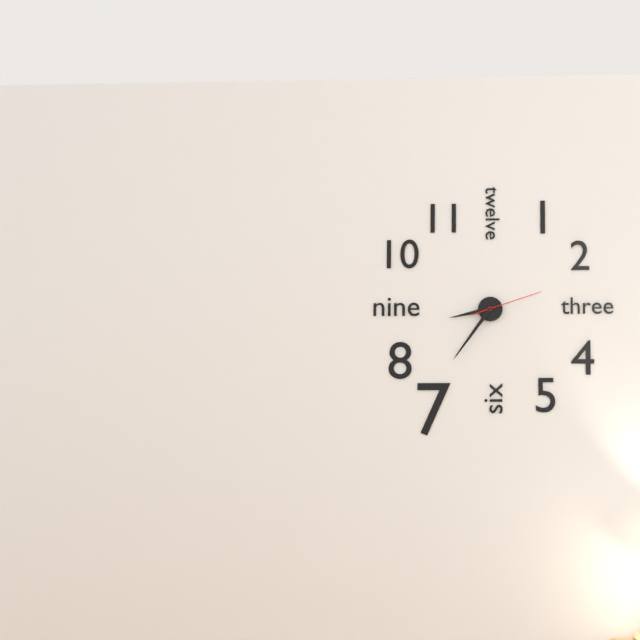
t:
8:36:12
